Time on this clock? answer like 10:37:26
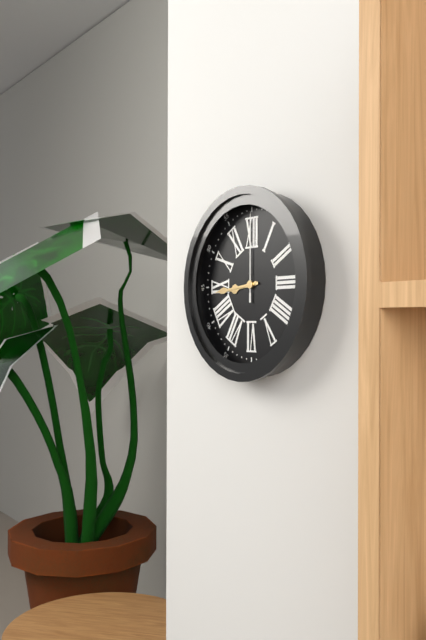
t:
8:44:00
